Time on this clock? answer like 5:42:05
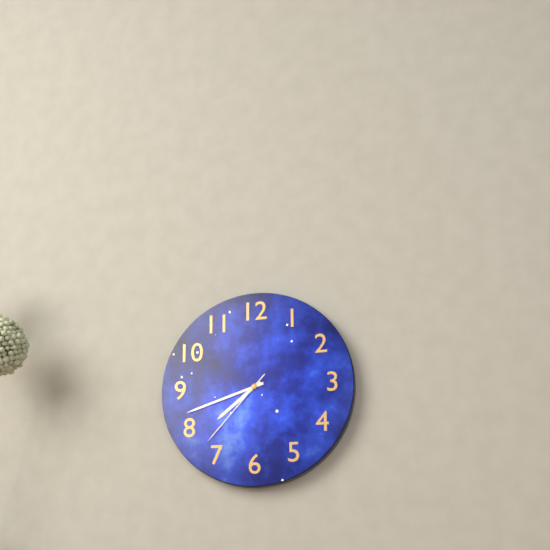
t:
7:42:37
